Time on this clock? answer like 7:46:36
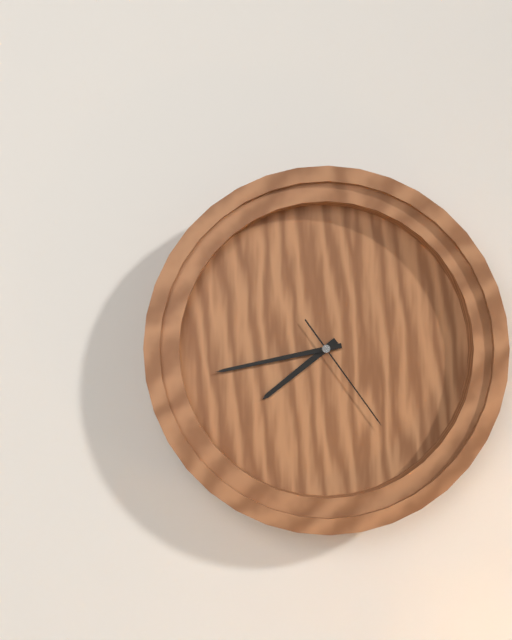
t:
7:43:24
